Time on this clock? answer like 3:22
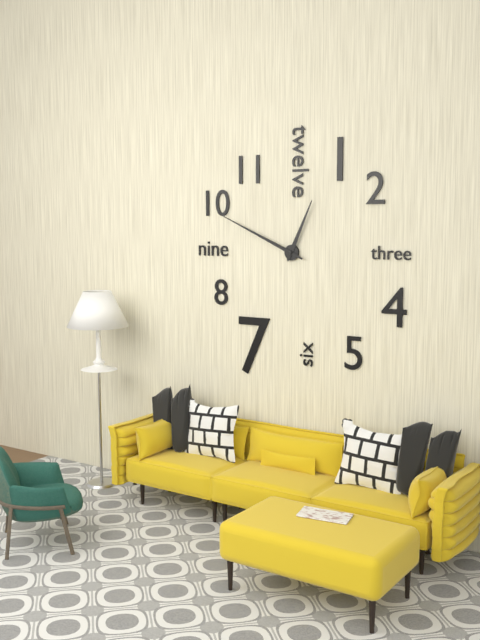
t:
12:49
